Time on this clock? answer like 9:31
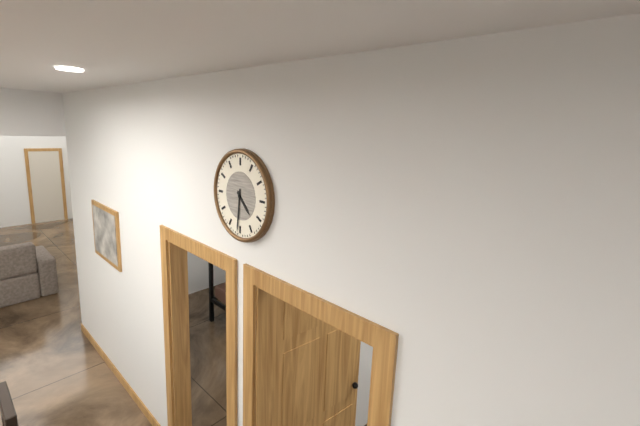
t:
4:31
